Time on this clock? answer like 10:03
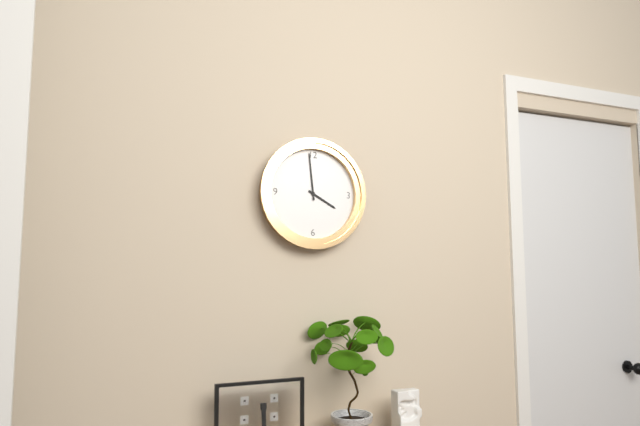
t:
3:59
